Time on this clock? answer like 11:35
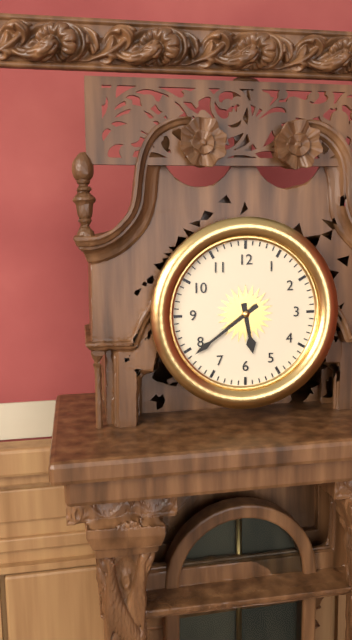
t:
5:39
